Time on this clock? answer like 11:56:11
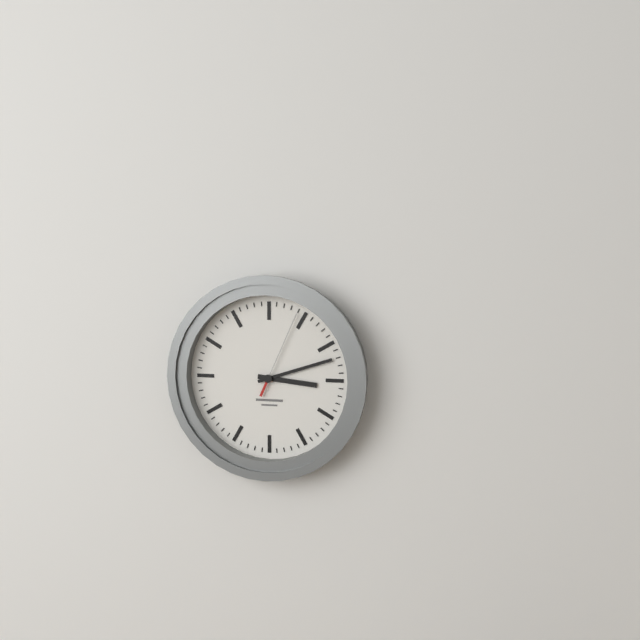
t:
3:12:04
